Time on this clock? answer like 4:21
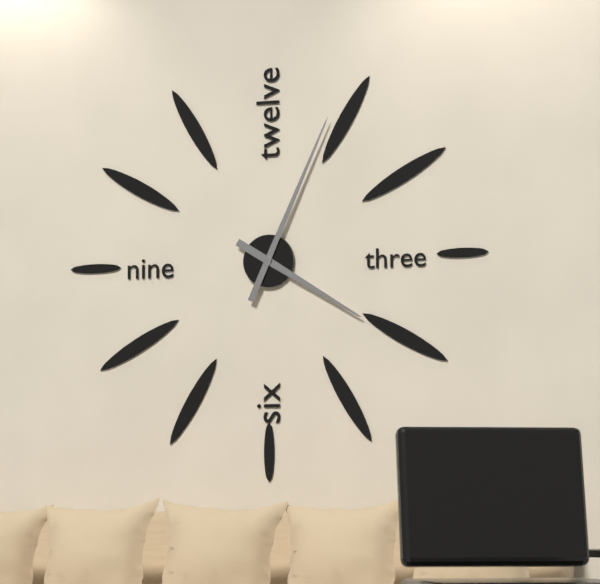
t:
4:04
